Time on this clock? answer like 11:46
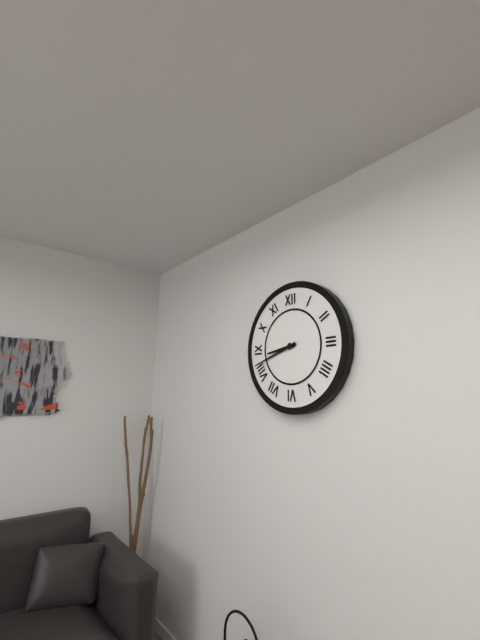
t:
8:42
